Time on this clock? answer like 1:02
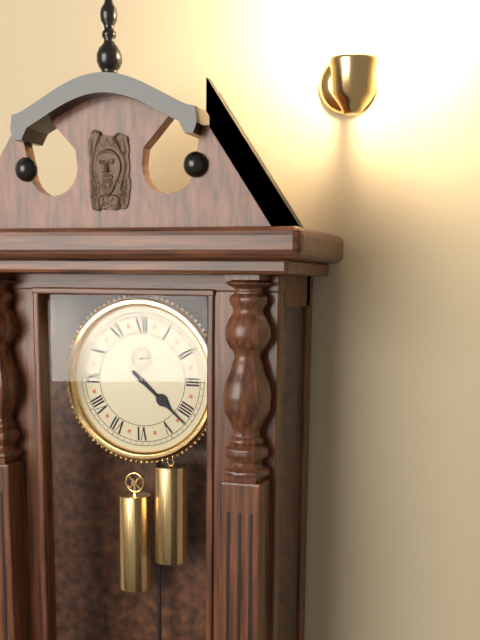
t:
4:22
